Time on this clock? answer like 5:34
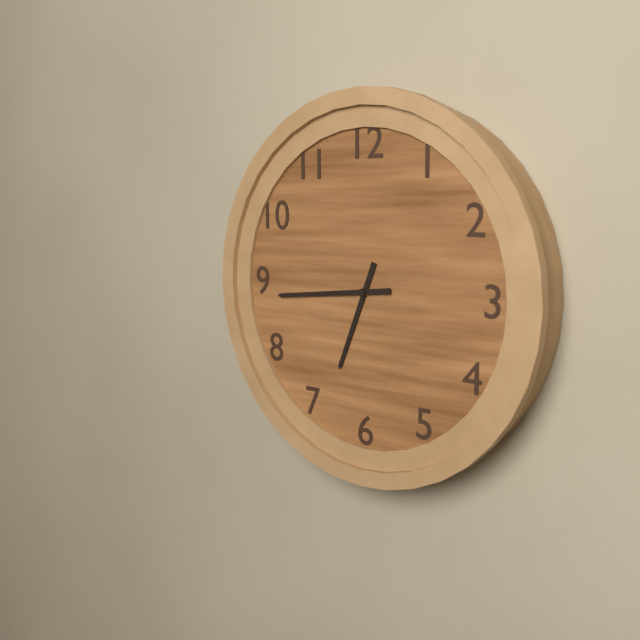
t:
6:44
